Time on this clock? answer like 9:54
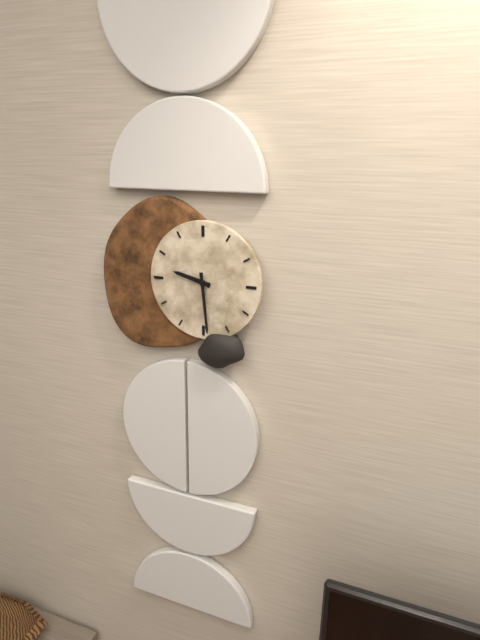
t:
9:29
